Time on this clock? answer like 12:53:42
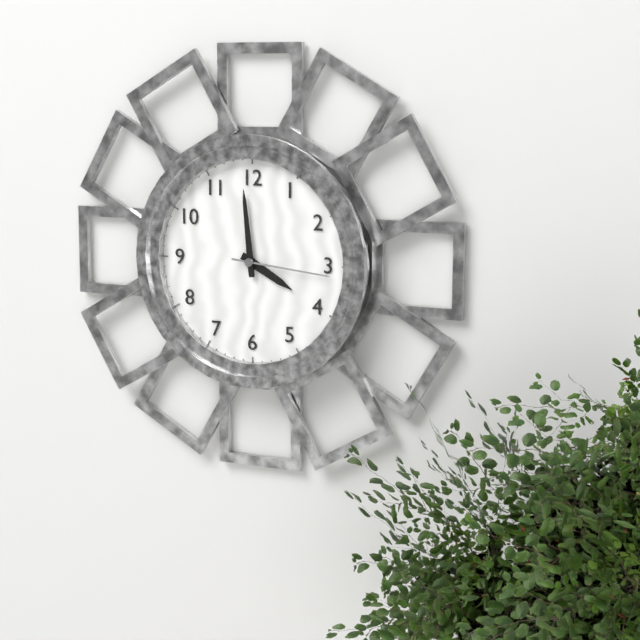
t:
3:59:16
